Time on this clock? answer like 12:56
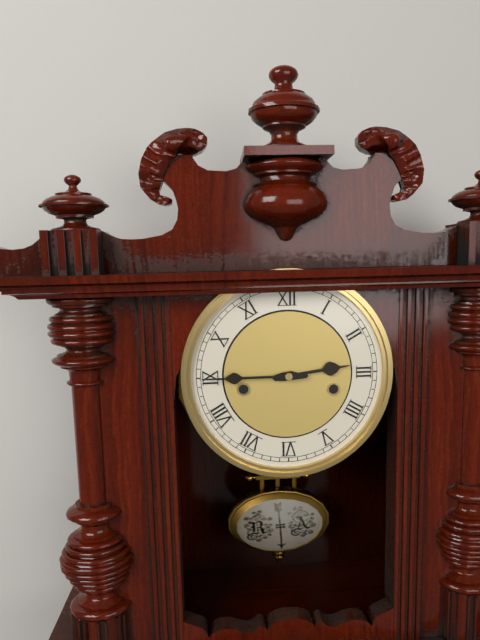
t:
2:45
